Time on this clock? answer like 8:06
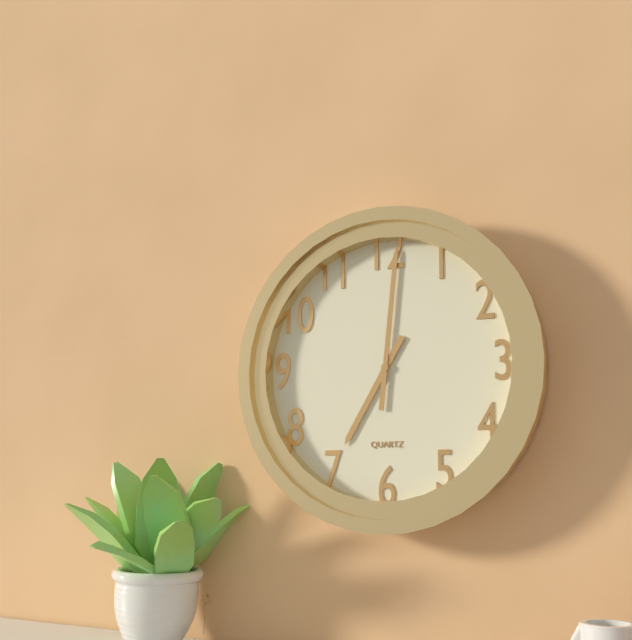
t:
7:01
